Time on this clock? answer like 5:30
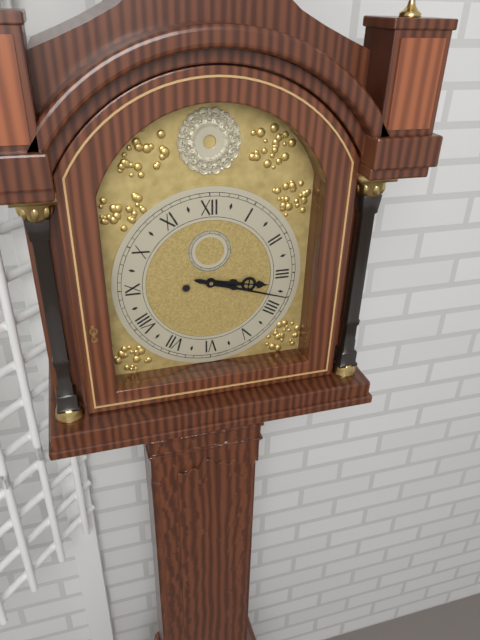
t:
3:18
